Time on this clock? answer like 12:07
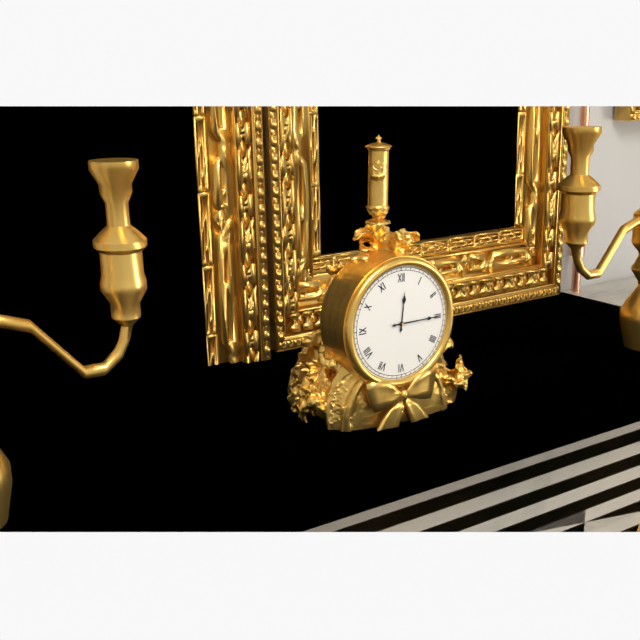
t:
12:15
